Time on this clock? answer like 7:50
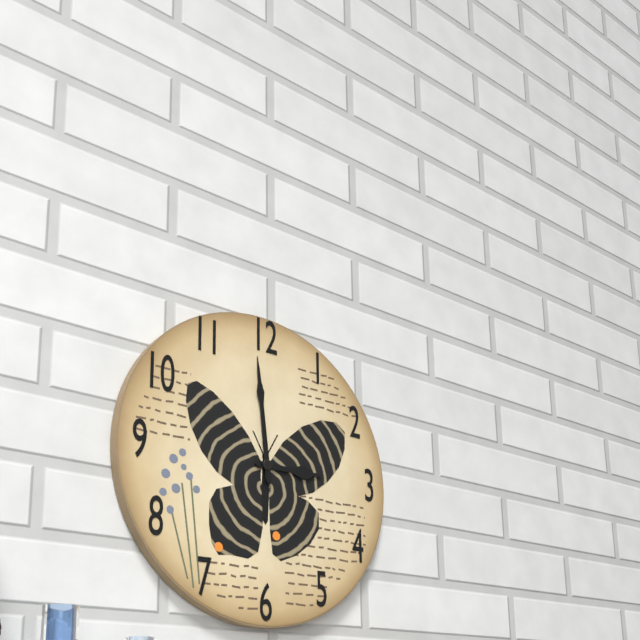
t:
2:59
